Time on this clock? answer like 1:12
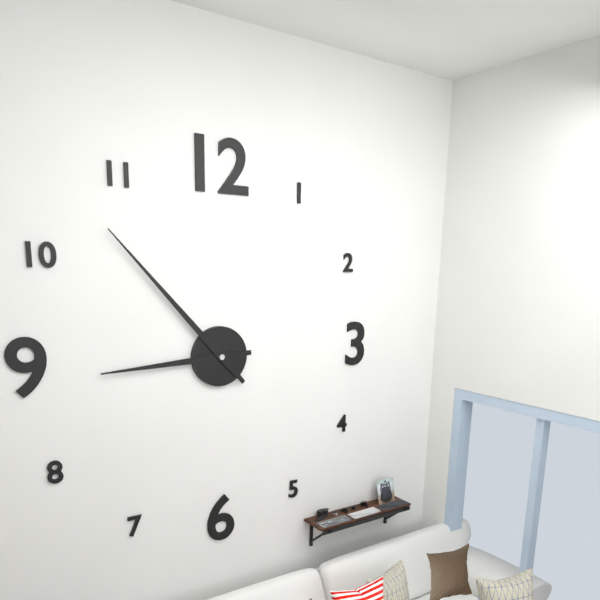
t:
8:53
